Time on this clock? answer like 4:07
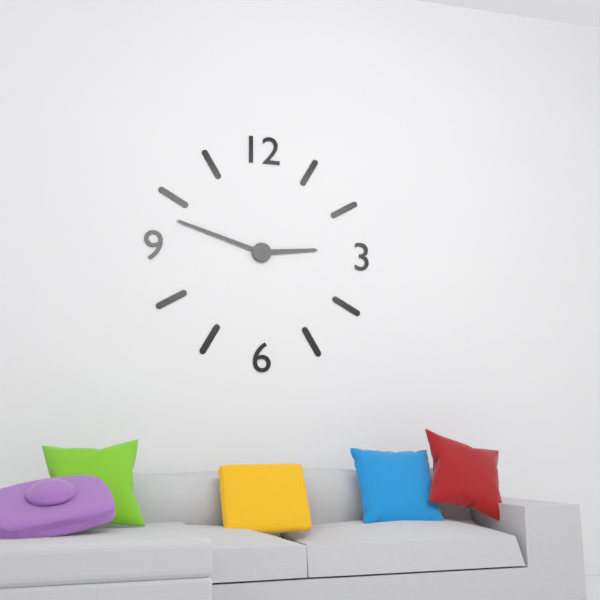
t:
2:48
